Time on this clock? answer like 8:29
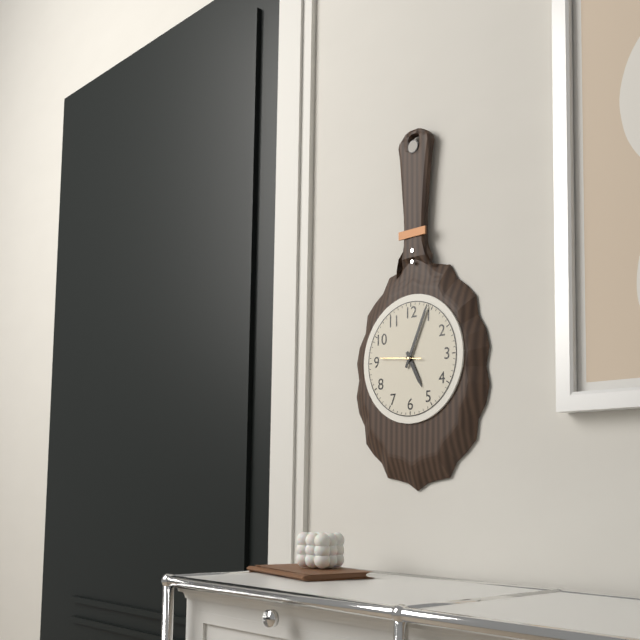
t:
5:04
